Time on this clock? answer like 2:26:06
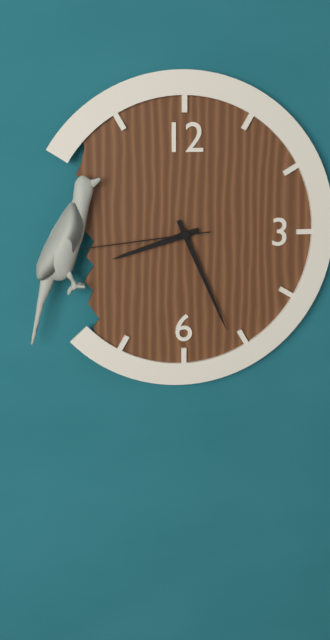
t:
8:26:44
